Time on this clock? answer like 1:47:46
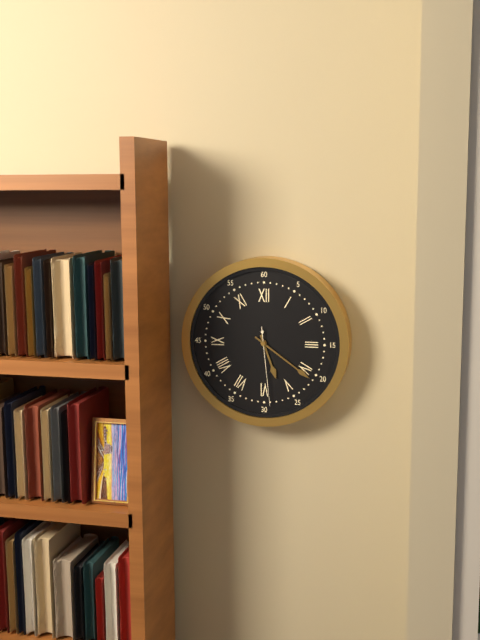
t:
5:21:29
